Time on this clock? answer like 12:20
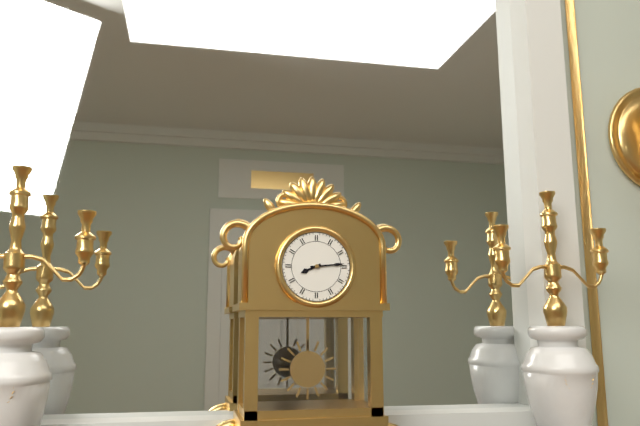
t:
8:14
